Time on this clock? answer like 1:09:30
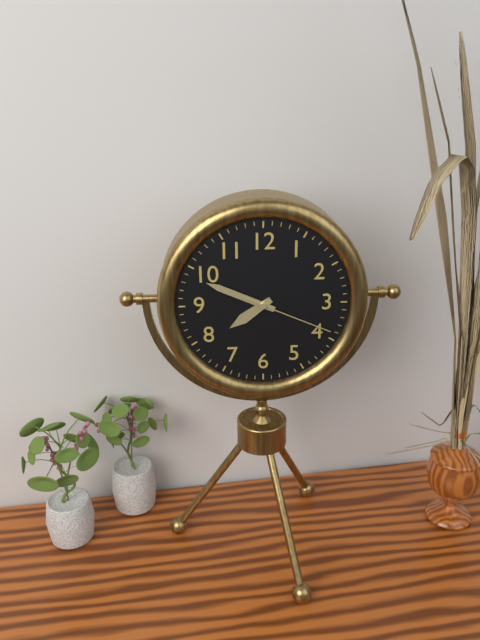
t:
7:49:19
